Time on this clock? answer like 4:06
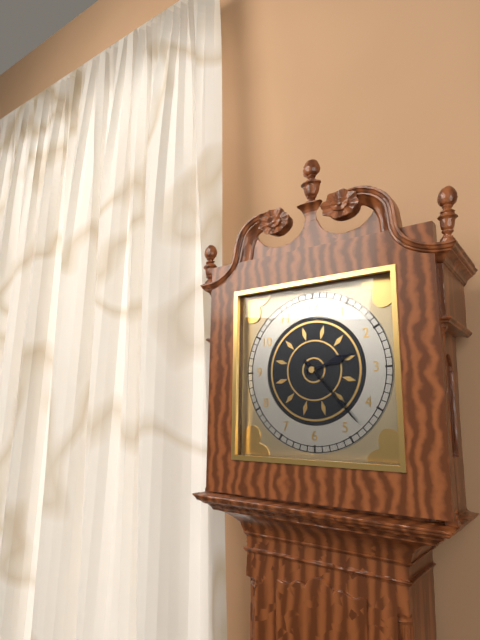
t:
2:23
